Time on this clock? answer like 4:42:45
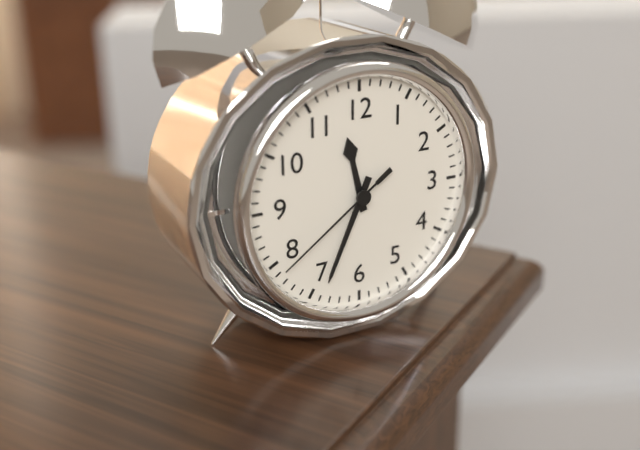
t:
11:34:39
